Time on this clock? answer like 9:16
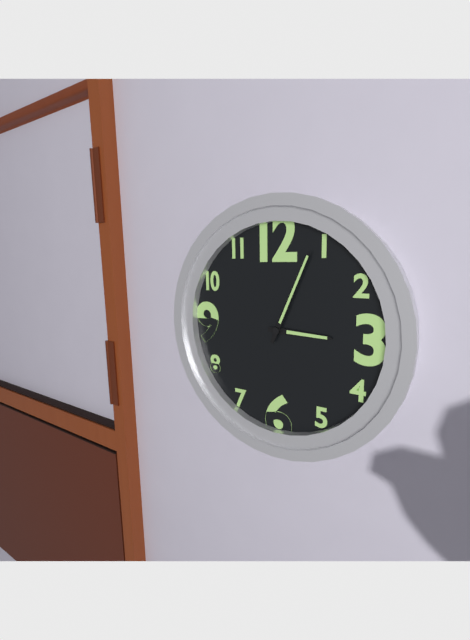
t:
3:04
